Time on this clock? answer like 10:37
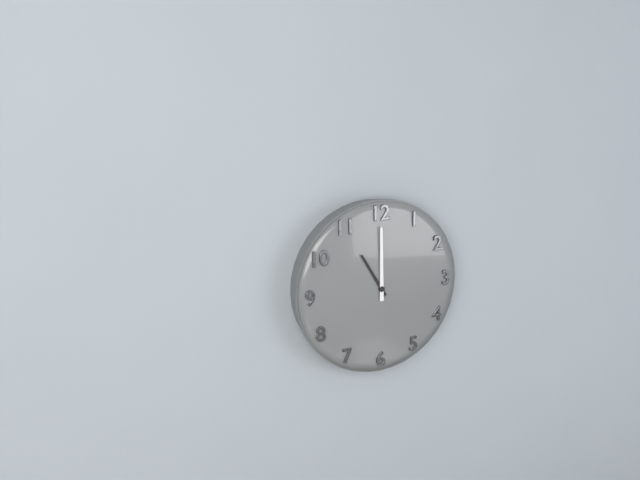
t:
11:00
